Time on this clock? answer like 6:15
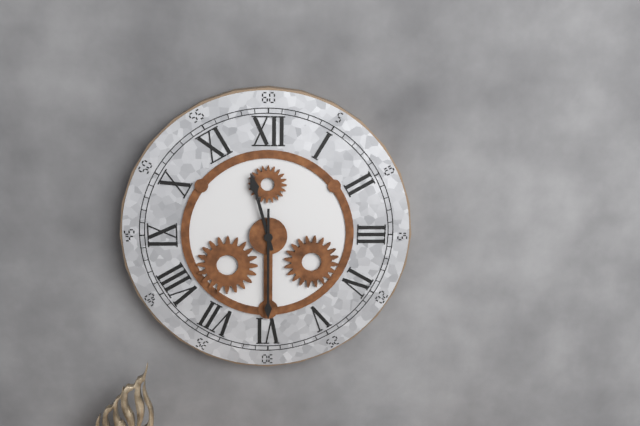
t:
11:30
